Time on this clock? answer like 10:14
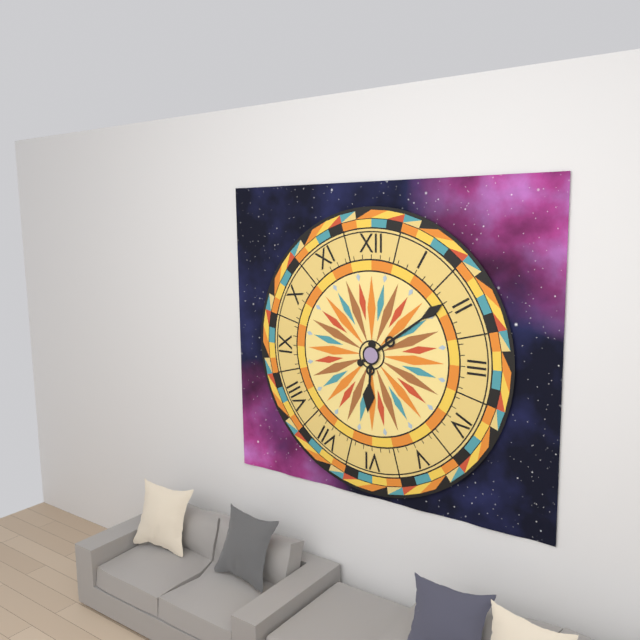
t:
6:09
